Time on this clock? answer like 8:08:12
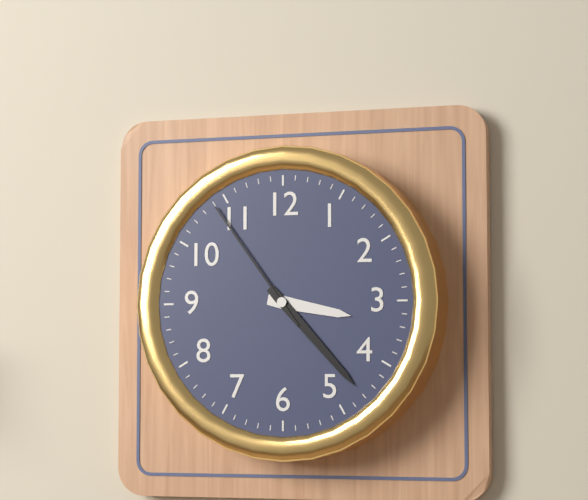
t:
3:23:54
